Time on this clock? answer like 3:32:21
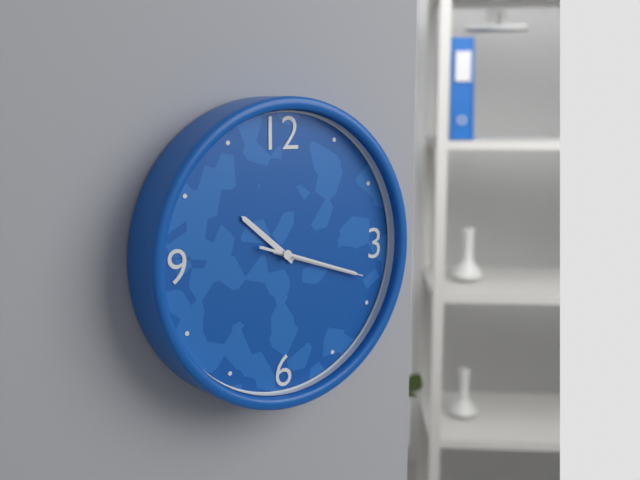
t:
10:18:18
